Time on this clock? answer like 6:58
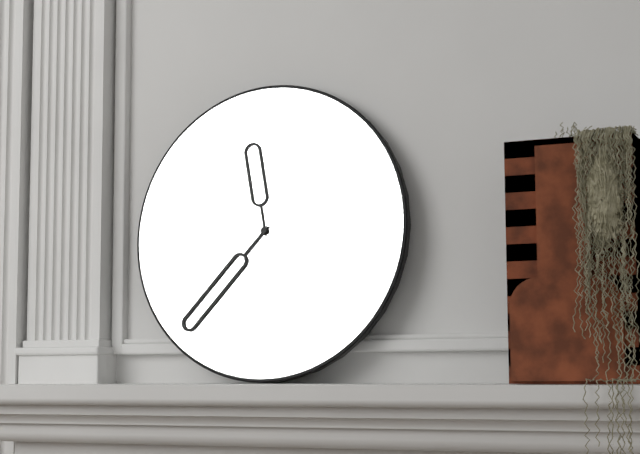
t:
11:37
